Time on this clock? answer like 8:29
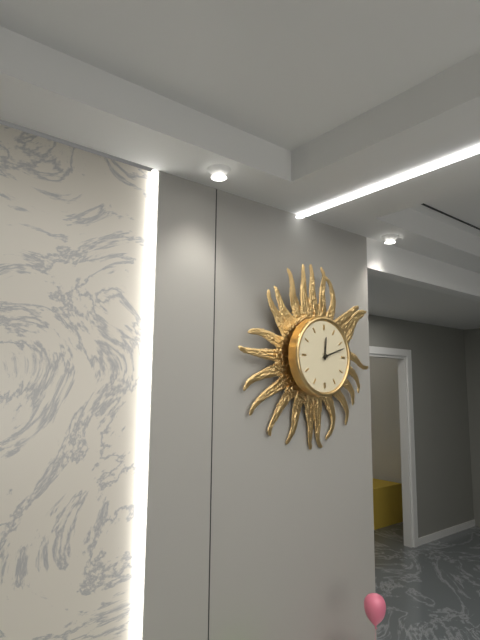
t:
12:12
